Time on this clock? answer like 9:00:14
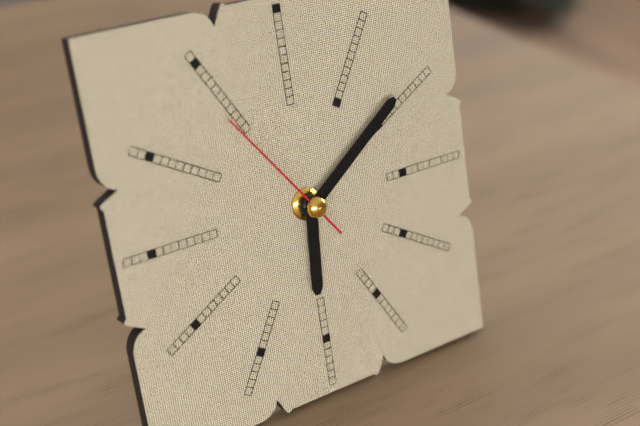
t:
6:09:54
